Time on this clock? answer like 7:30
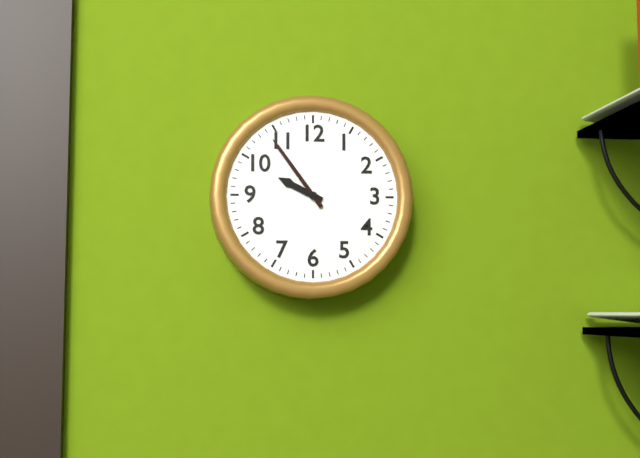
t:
9:54
